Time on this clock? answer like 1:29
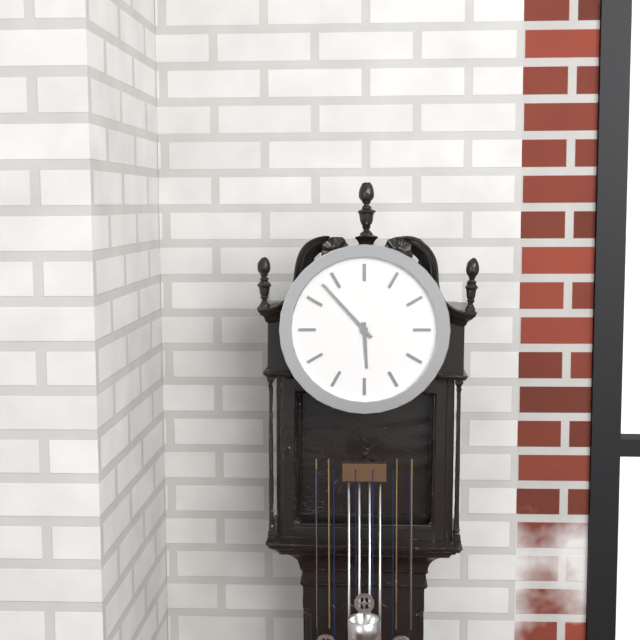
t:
5:53
